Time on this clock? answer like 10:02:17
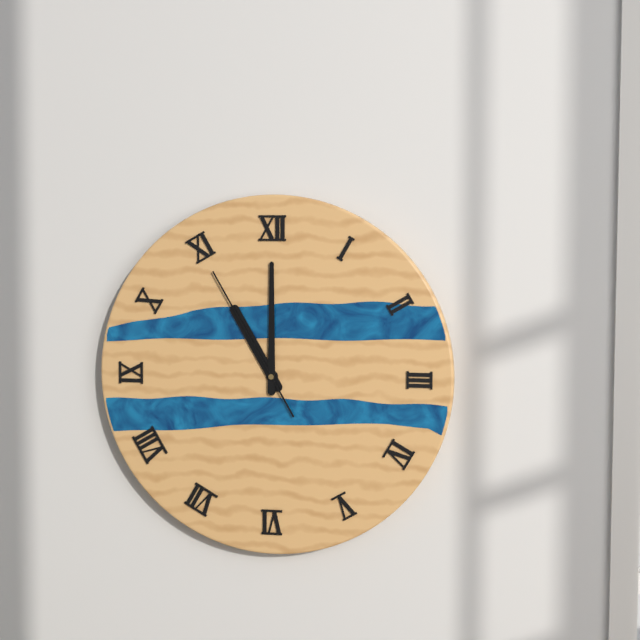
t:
11:00:55
